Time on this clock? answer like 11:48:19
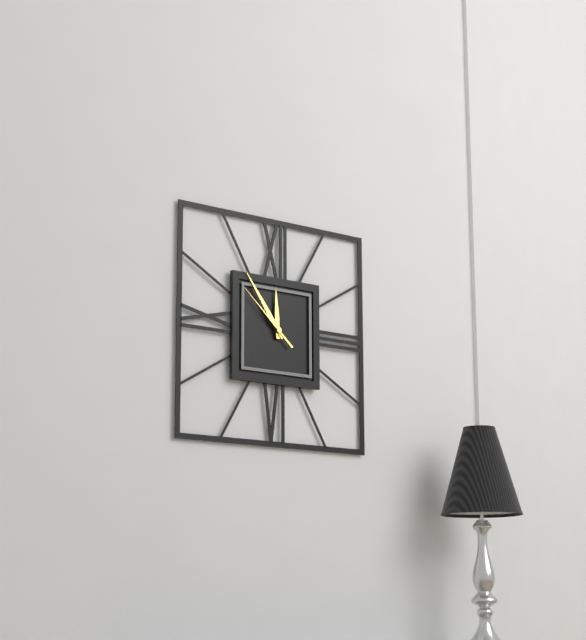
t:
11:54:52
